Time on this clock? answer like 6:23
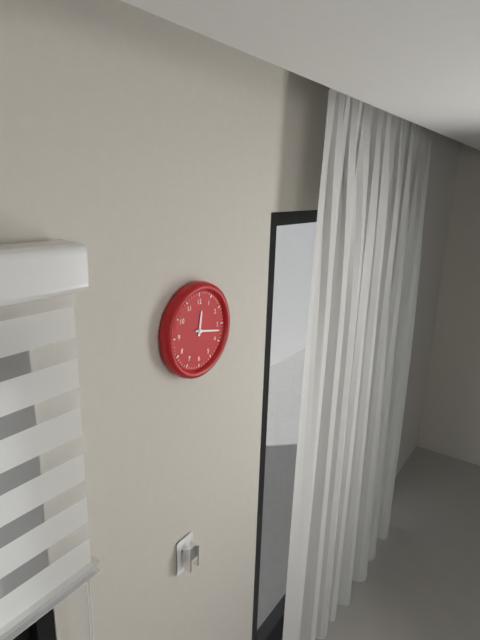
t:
12:17
